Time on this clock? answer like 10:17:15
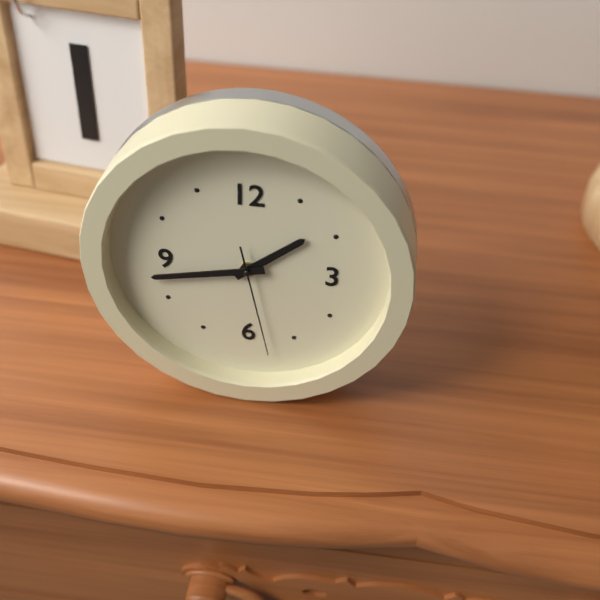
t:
1:43:28
